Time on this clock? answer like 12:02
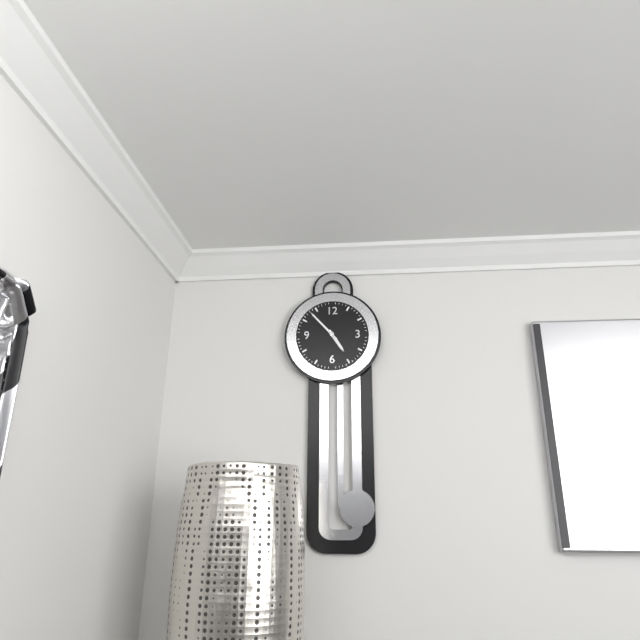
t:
4:53
